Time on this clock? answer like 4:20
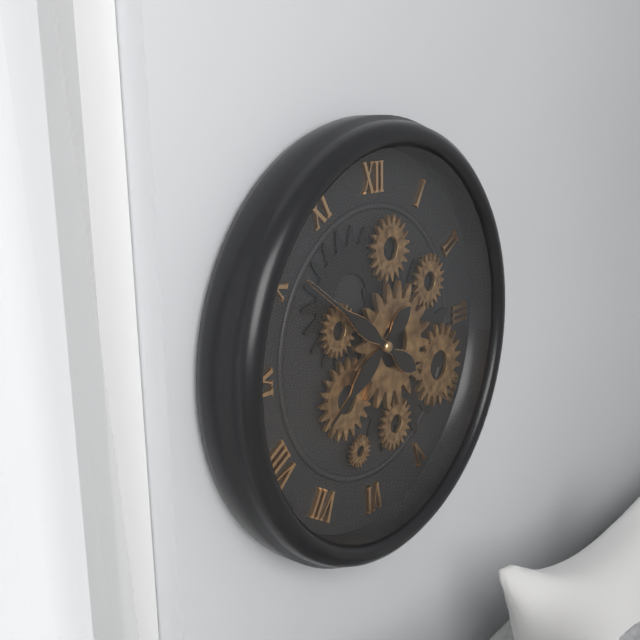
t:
7:51
